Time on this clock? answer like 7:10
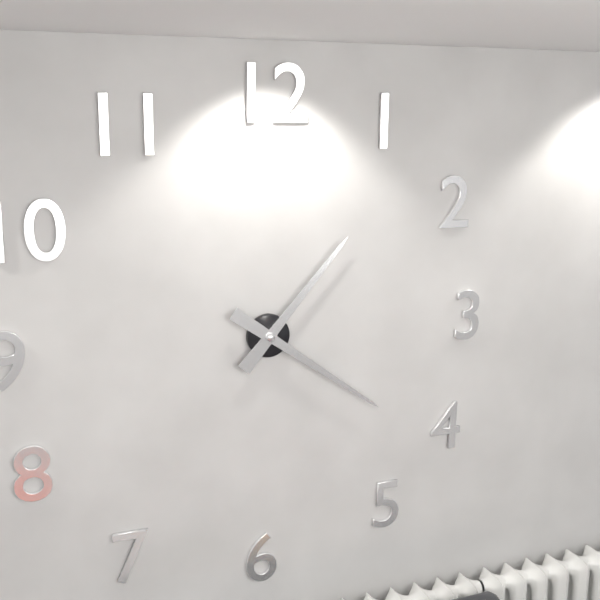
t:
1:21
